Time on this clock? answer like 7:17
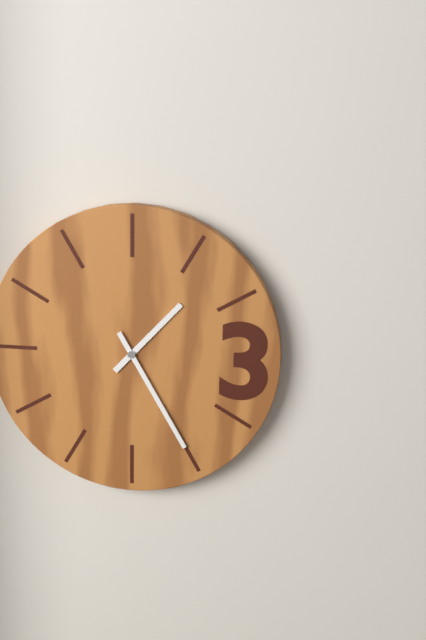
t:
1:25
